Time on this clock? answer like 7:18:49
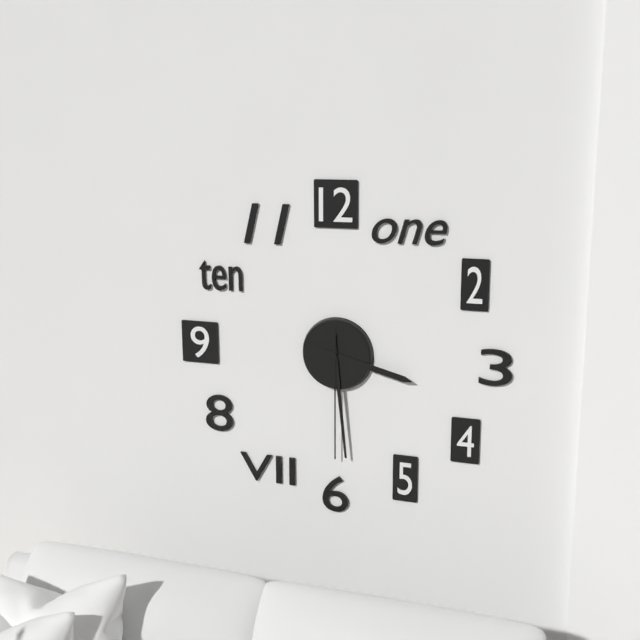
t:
3:29:30
